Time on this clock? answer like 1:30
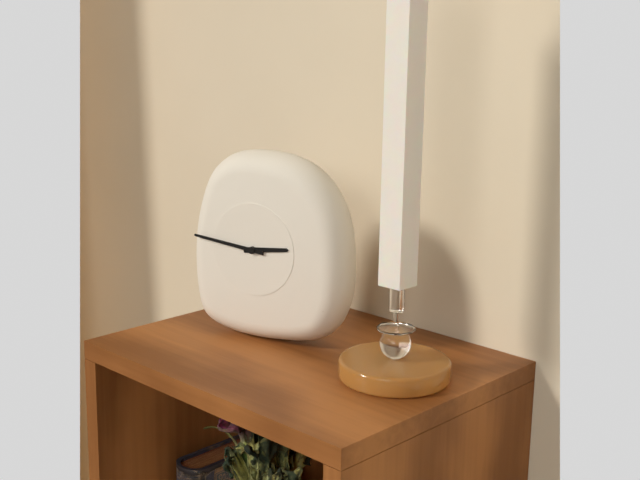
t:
2:46
